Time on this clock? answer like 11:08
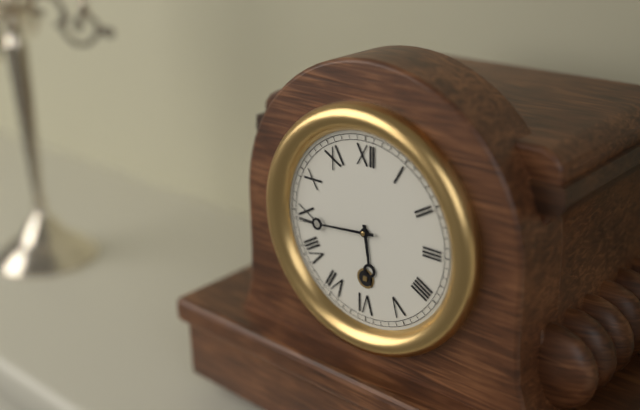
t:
5:44
